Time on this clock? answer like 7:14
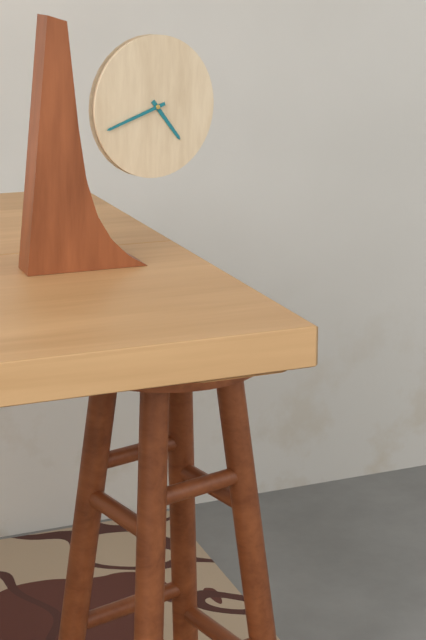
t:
4:42
